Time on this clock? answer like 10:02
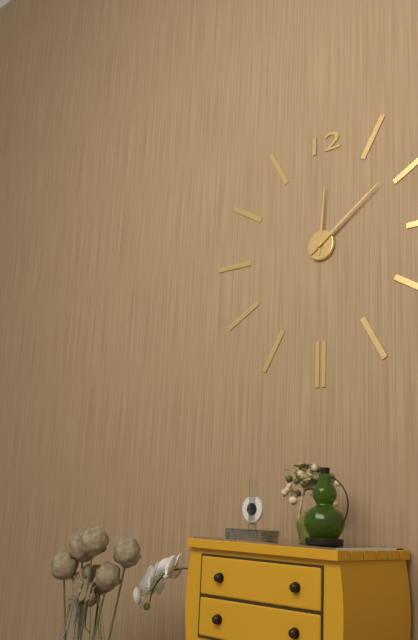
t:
12:09
